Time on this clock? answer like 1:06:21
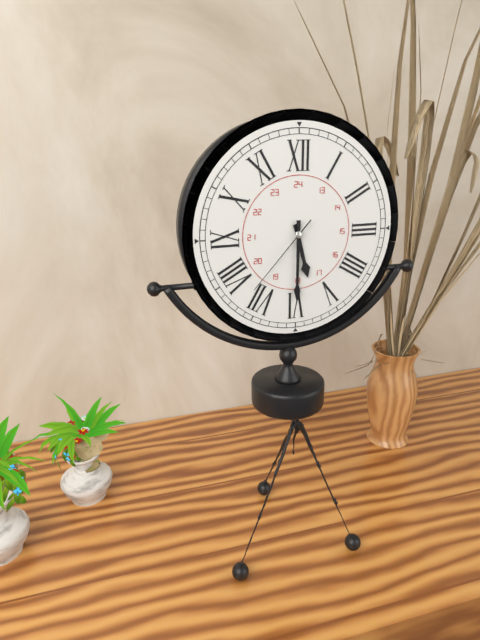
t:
5:30:37
